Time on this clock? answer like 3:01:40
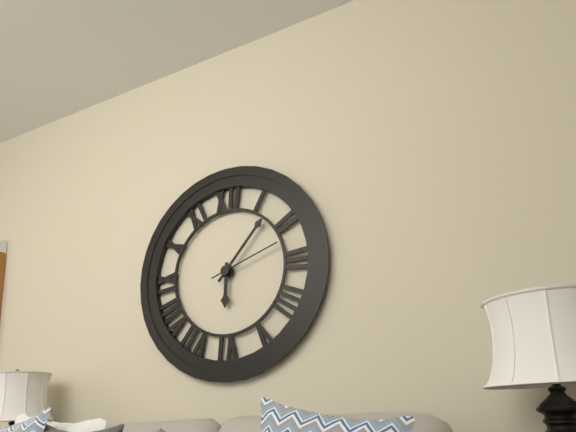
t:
6:07:12
